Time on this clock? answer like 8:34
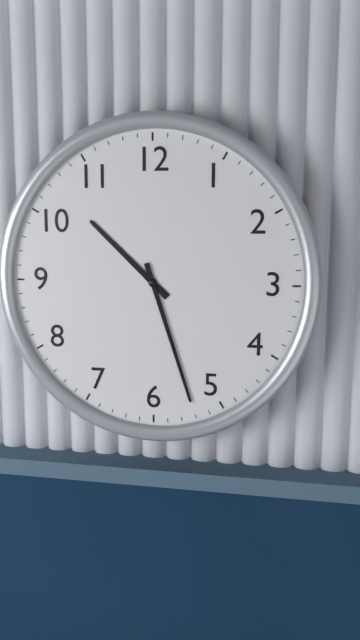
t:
10:27
